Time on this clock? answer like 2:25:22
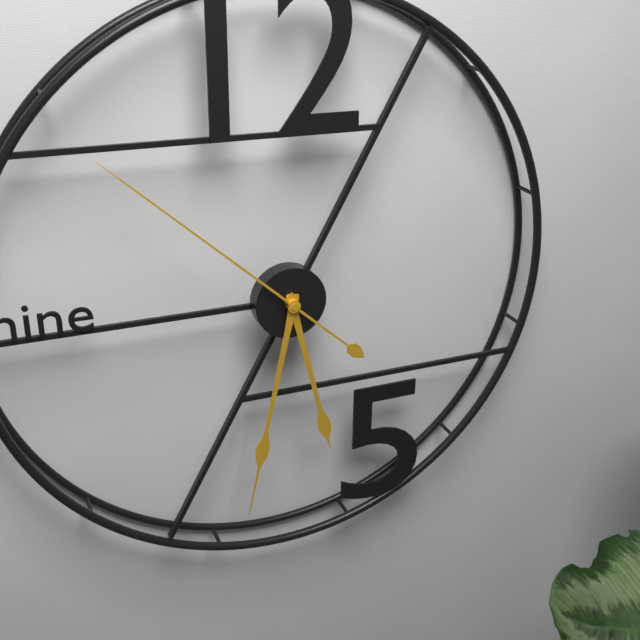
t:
5:32:52
